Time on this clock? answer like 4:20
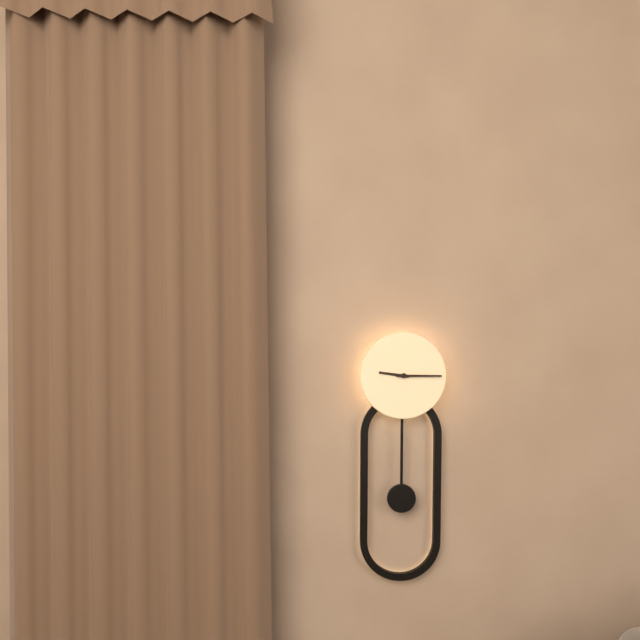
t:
9:15
